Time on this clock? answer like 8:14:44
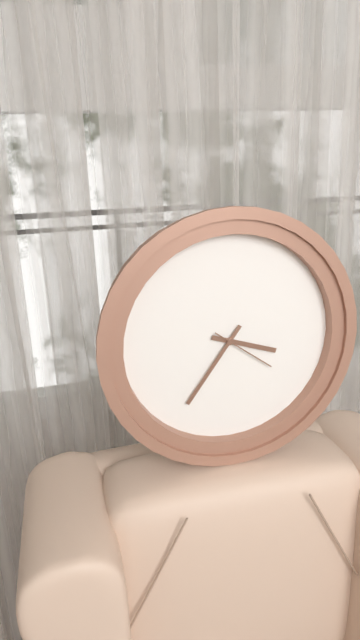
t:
3:36:21
